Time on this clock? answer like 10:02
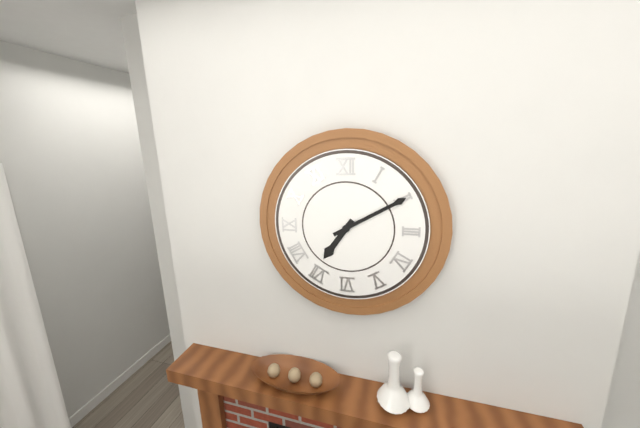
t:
7:10
